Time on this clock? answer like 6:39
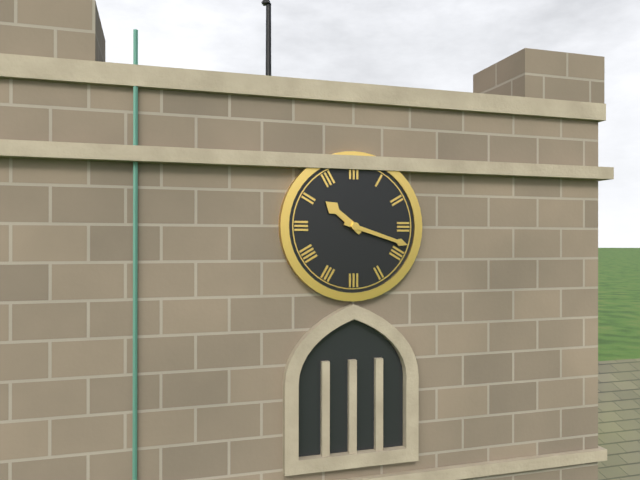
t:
10:18
